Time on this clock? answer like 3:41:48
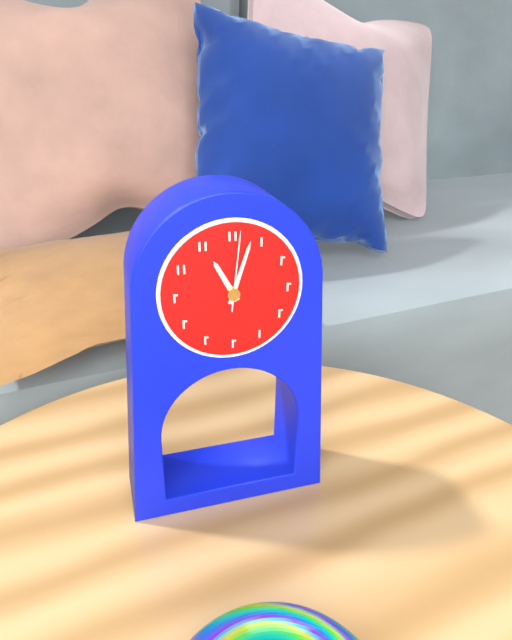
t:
11:03:01
